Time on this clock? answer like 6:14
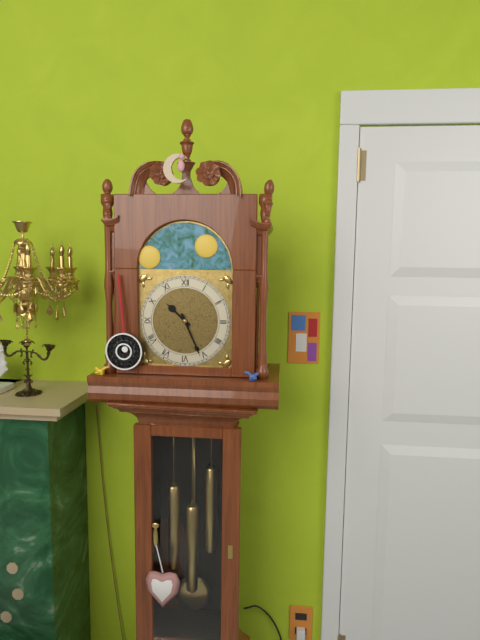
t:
10:26
